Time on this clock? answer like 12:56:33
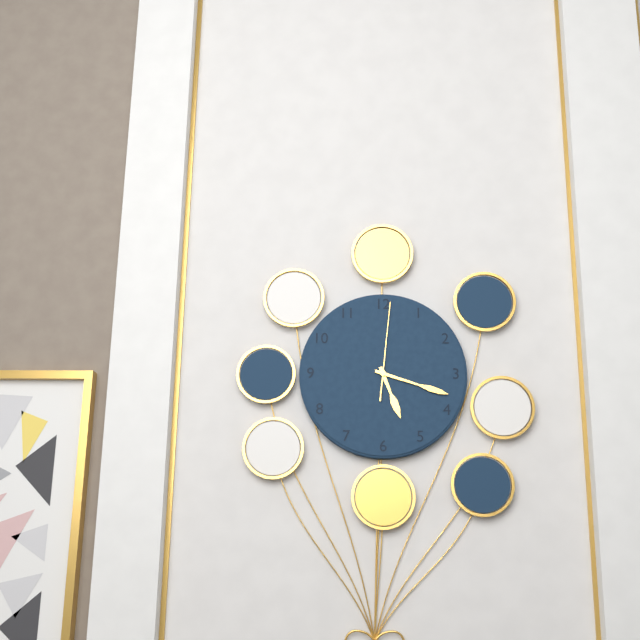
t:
5:18:01
